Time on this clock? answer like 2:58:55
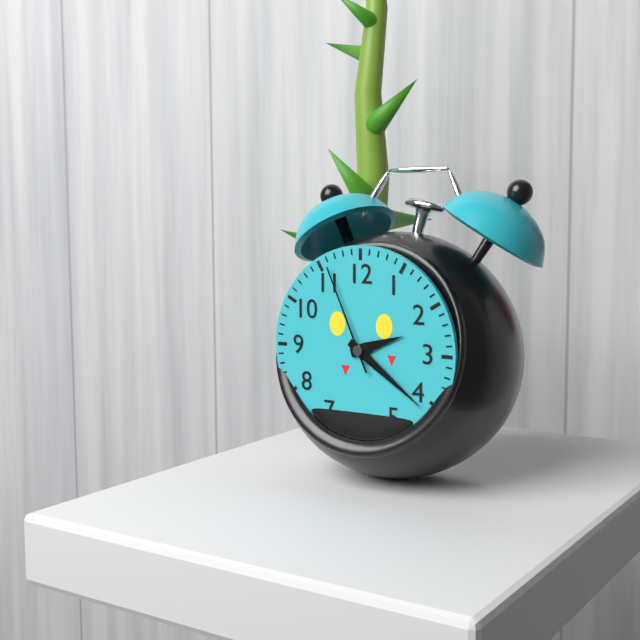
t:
2:21:56
